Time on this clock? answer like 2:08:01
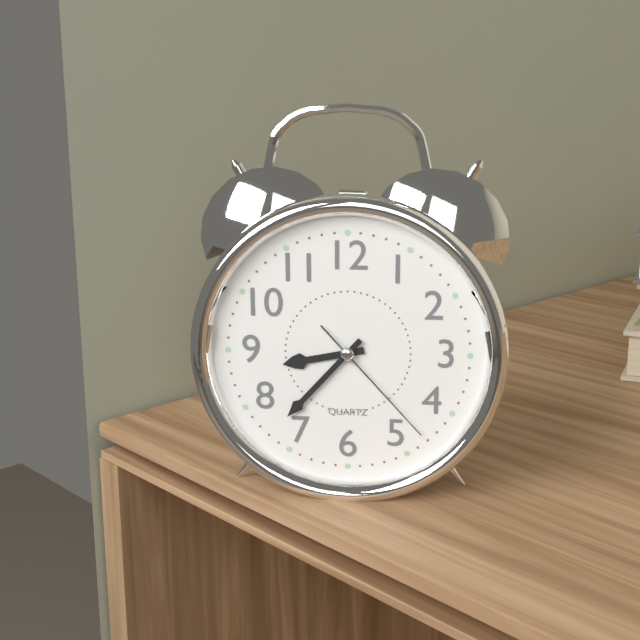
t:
8:37:23
